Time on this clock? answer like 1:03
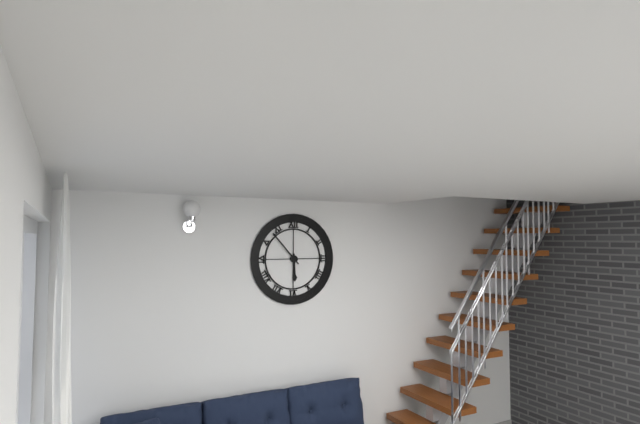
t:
5:53
